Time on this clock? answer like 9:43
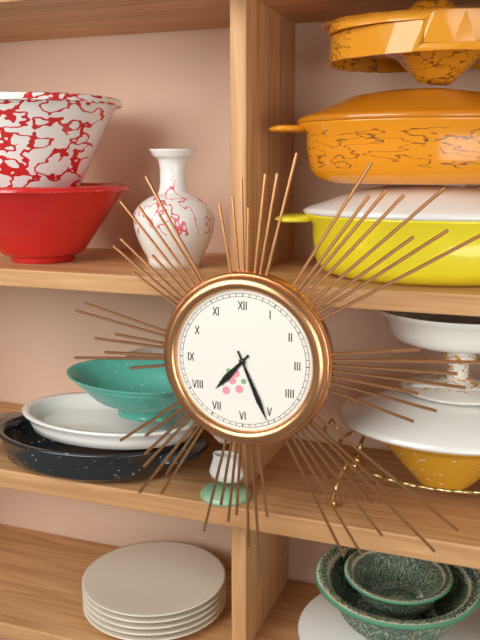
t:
7:26
